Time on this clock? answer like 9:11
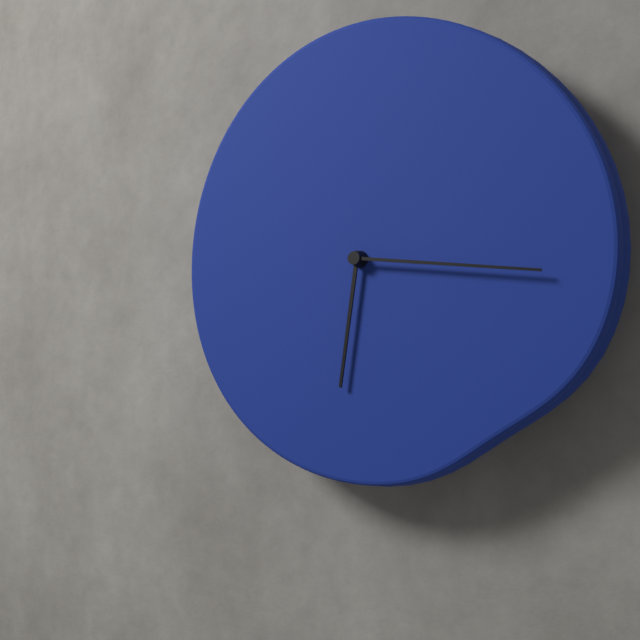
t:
6:16
